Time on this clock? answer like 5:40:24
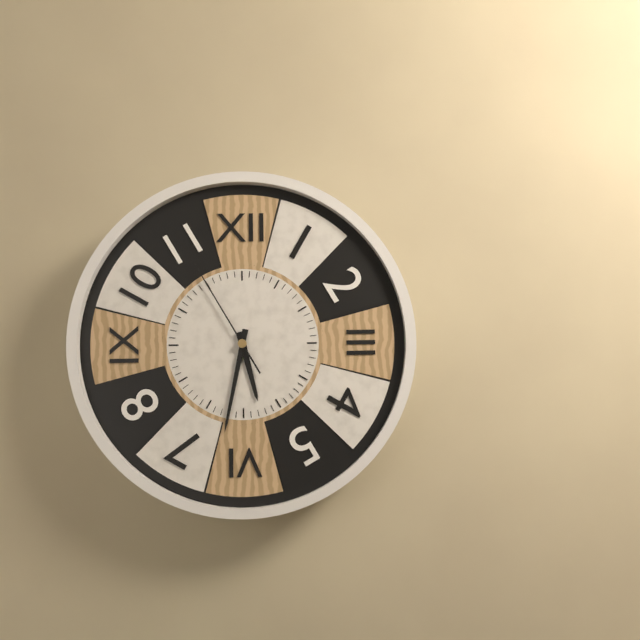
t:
5:32:55
